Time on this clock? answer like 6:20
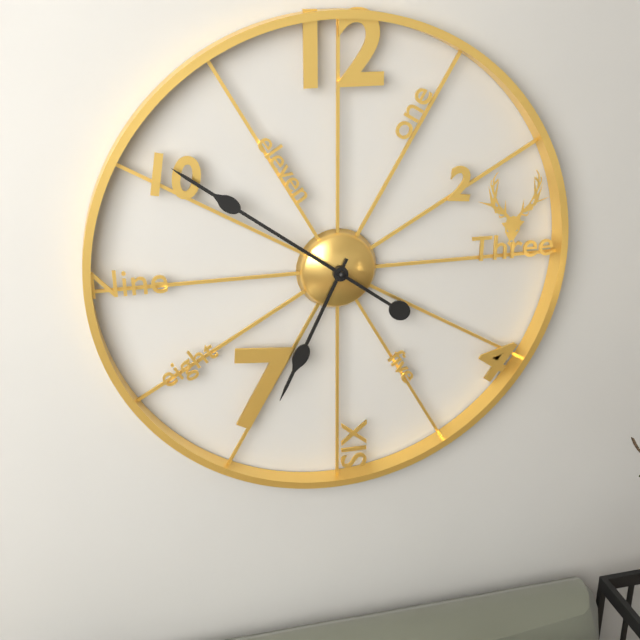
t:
6:51
